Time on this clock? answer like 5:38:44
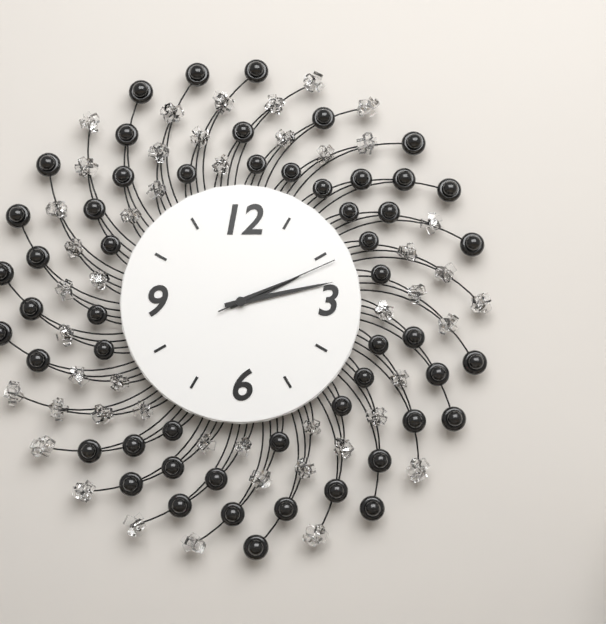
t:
2:13:11
